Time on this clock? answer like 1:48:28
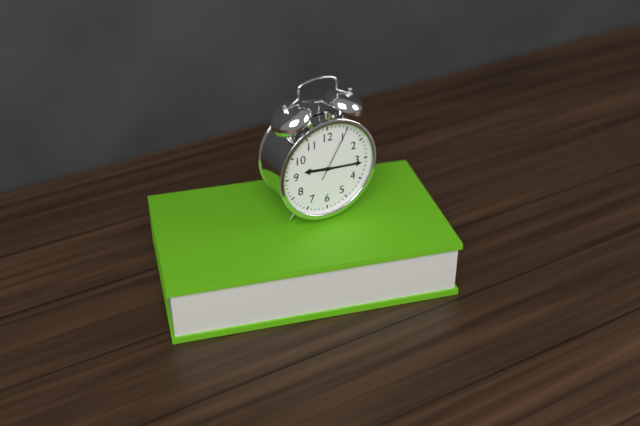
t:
9:16:05
